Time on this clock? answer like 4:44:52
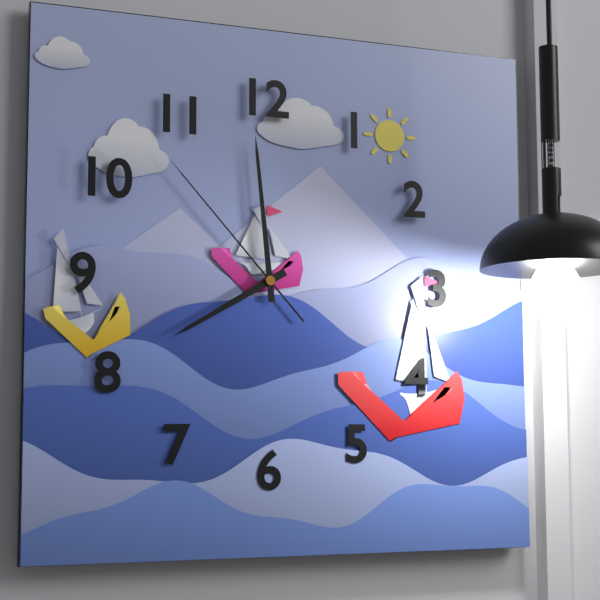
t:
7:59:53
